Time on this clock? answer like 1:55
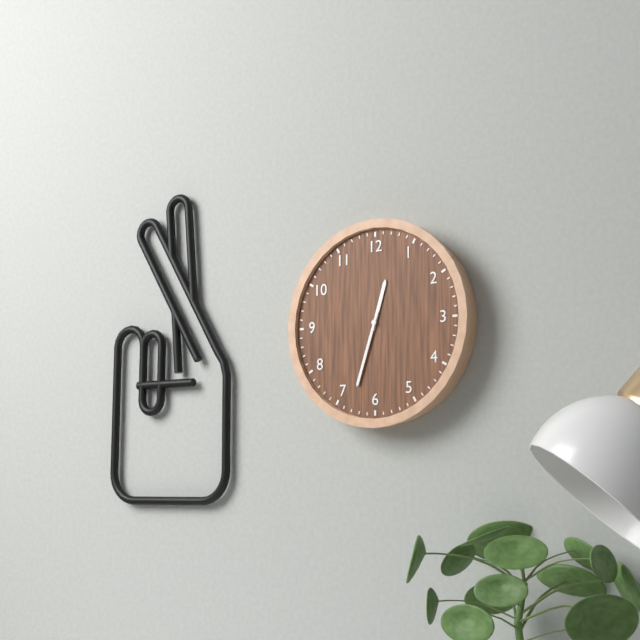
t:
12:33
